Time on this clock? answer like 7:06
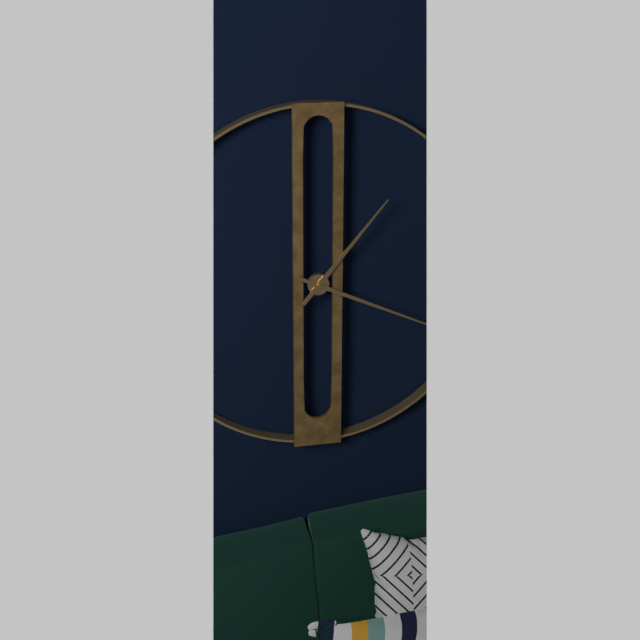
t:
1:19
